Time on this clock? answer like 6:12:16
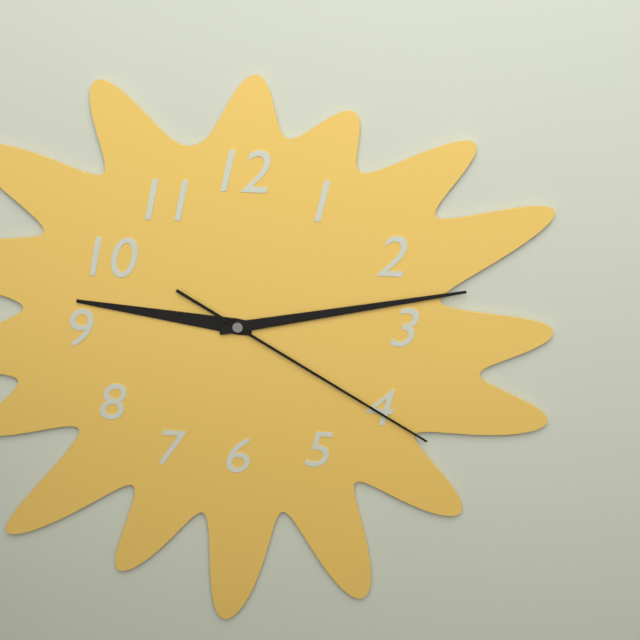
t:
9:13:20
